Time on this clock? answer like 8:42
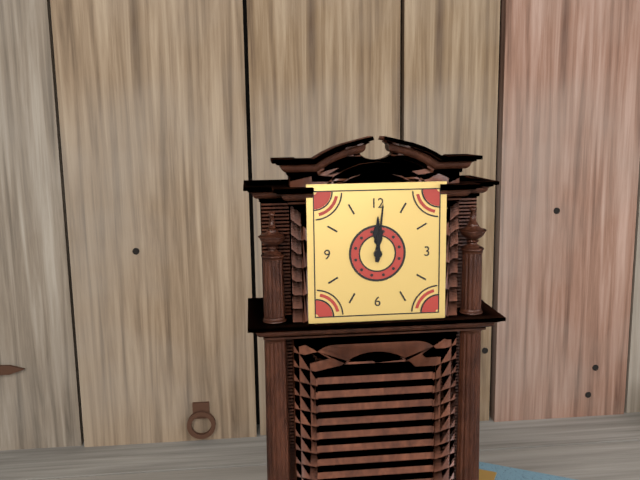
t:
12:01
